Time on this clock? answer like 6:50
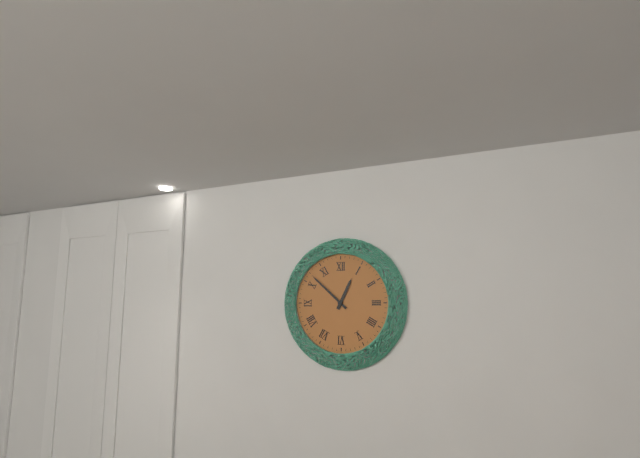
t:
12:52
